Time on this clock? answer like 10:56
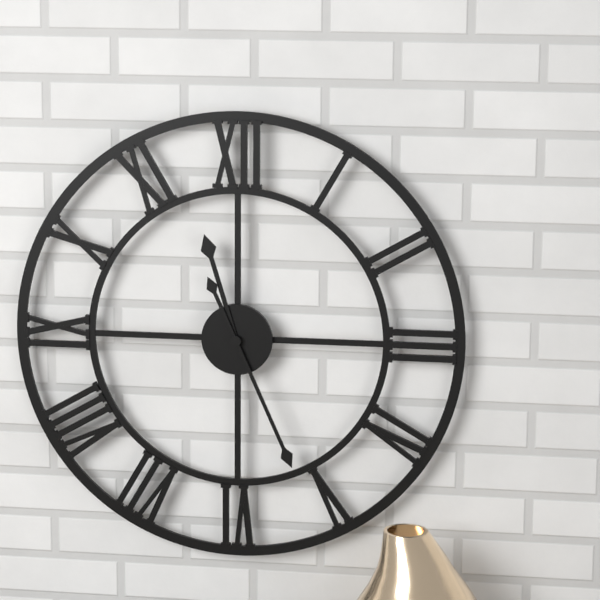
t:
11:26
